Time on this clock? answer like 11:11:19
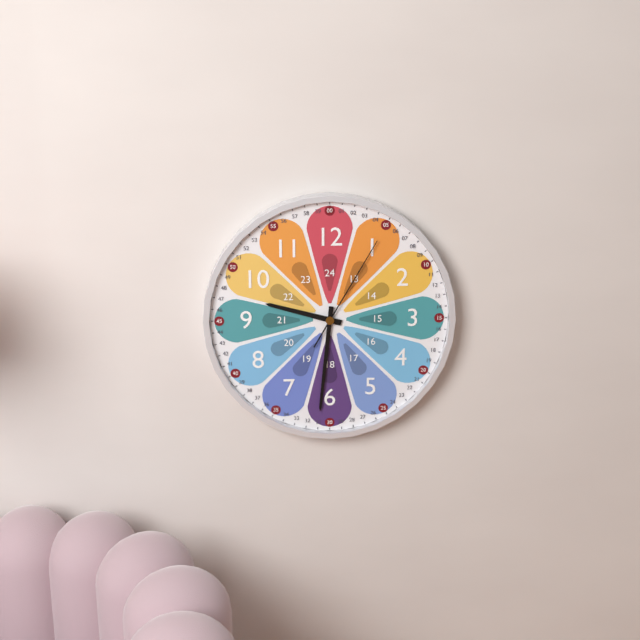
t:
9:31:05
